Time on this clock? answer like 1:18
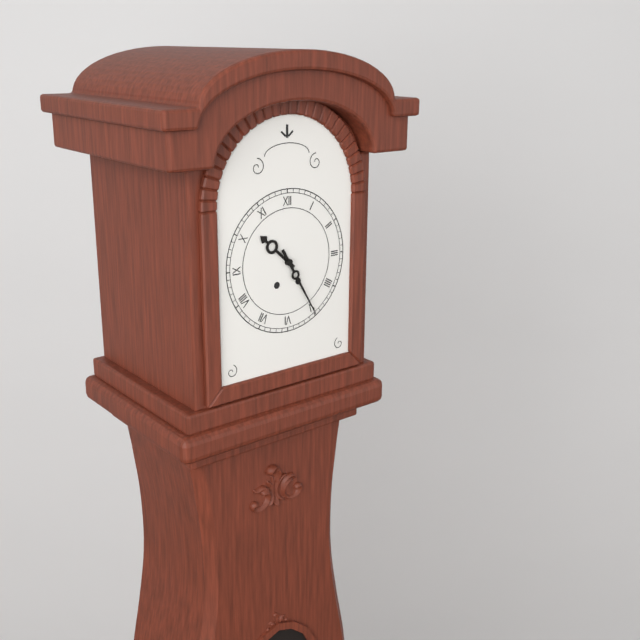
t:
10:25
